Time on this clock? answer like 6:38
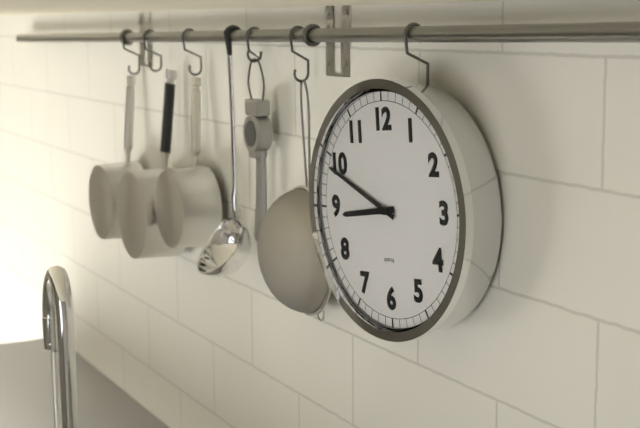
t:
8:49
